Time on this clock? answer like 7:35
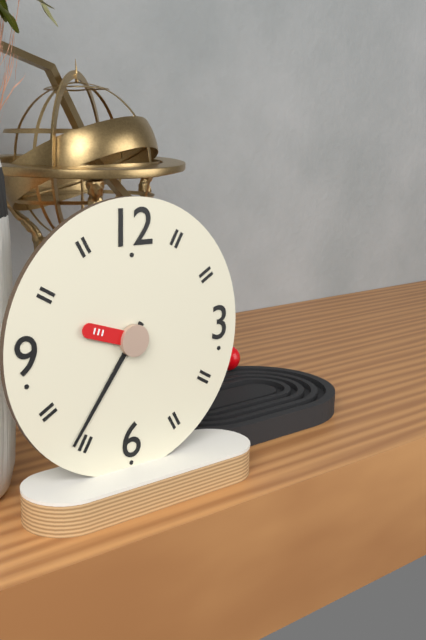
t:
9:36
